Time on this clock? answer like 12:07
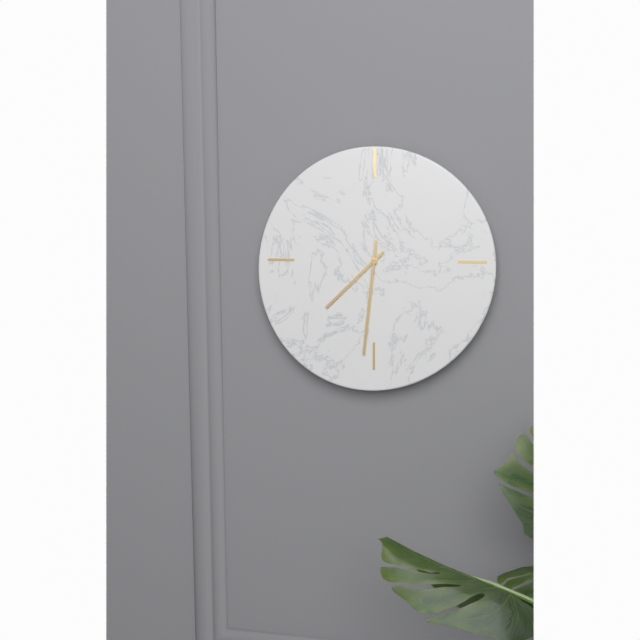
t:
7:31
